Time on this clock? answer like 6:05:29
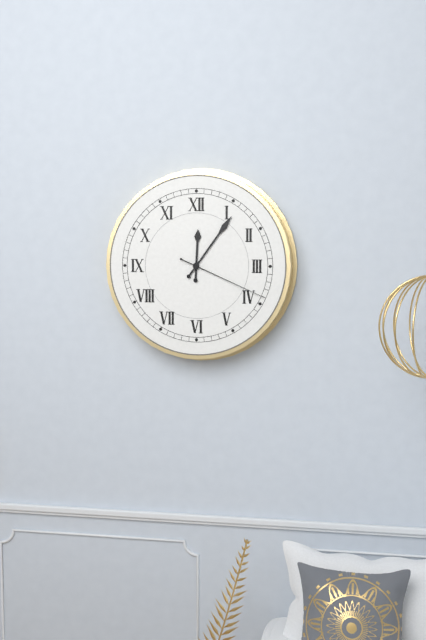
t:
12:06:19
